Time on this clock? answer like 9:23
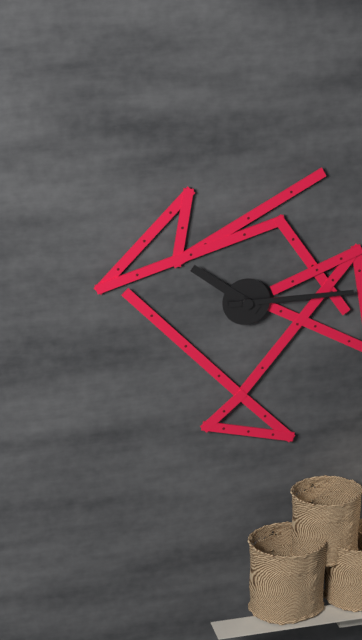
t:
10:15
